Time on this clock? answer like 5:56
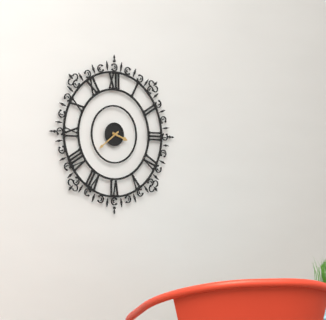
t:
3:39
